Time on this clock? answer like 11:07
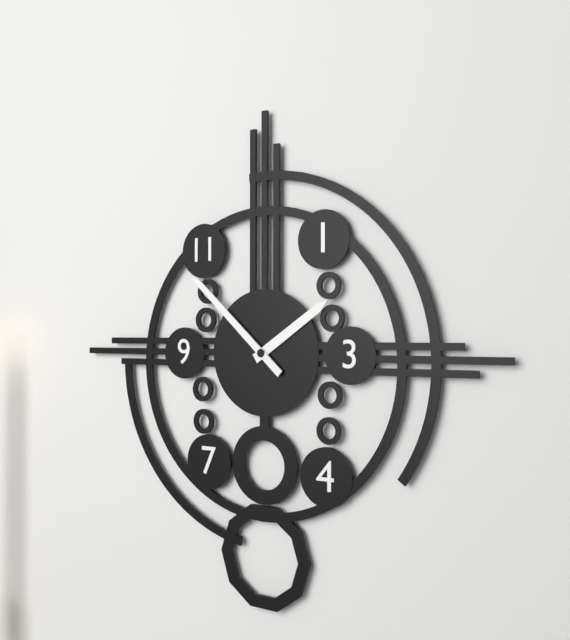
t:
1:52
